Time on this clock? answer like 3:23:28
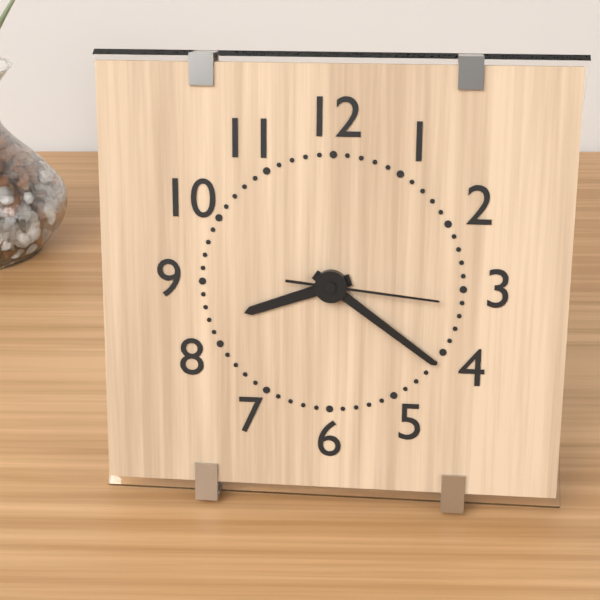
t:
8:21:16
